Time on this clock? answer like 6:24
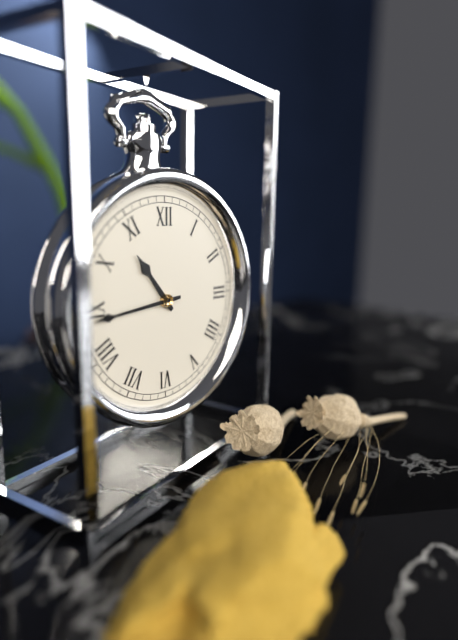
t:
10:44
